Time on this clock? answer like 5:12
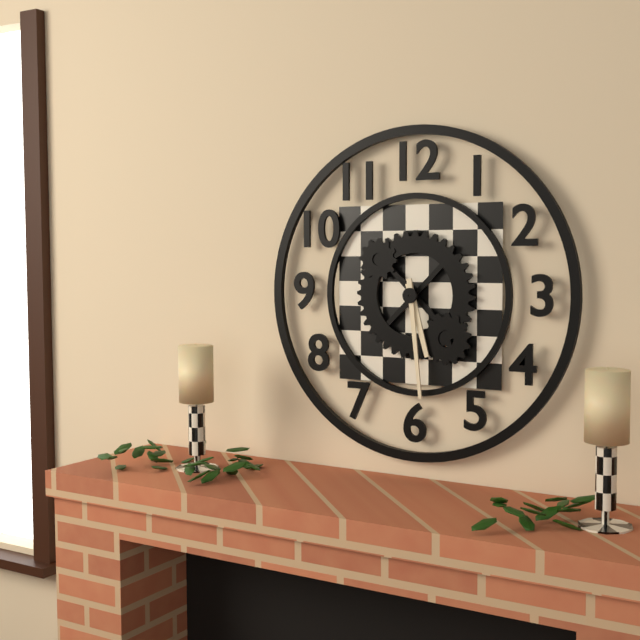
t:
5:29
